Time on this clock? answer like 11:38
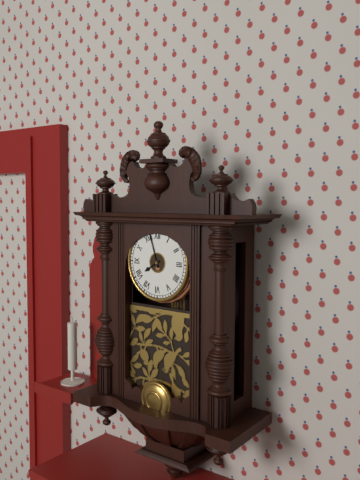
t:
7:57
